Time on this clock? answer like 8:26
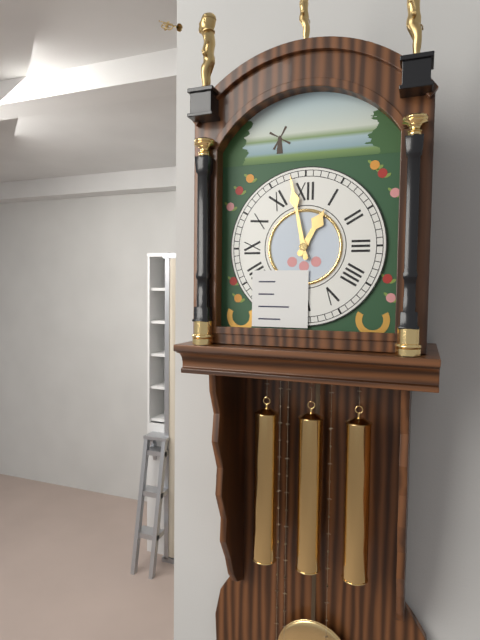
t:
12:58
